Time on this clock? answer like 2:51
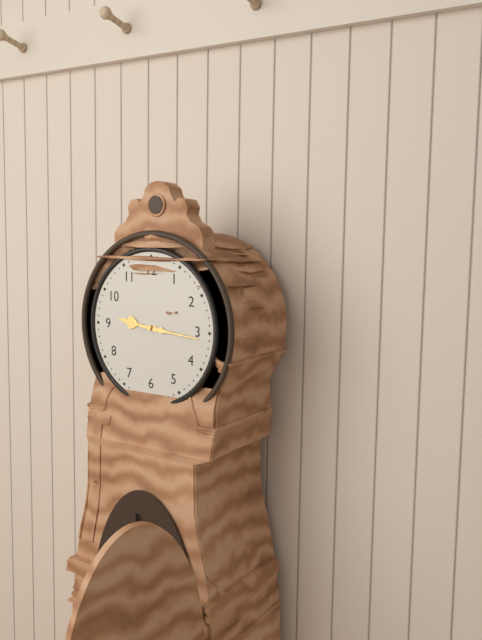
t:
9:16
